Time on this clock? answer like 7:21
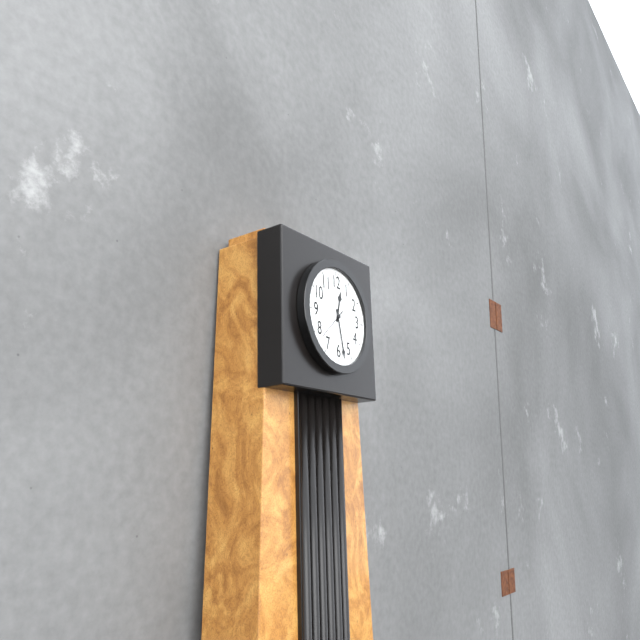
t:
12:28
